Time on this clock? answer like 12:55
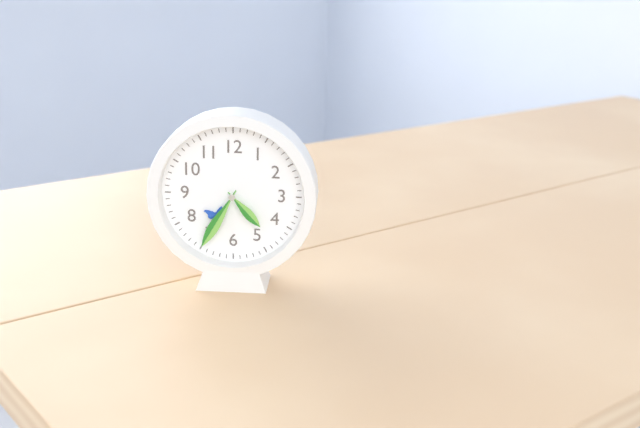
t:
4:35
